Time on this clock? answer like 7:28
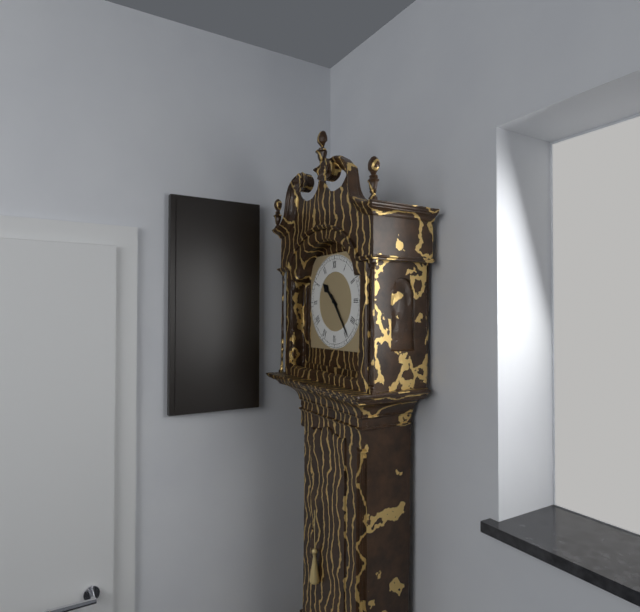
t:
10:24
